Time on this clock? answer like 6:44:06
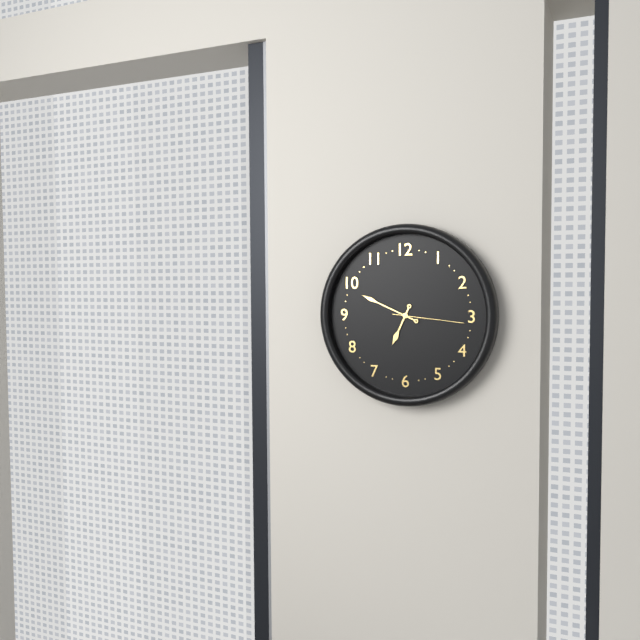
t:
6:49:16
